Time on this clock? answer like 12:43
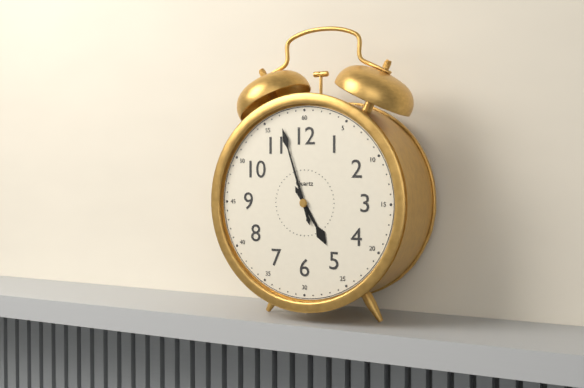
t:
4:57
